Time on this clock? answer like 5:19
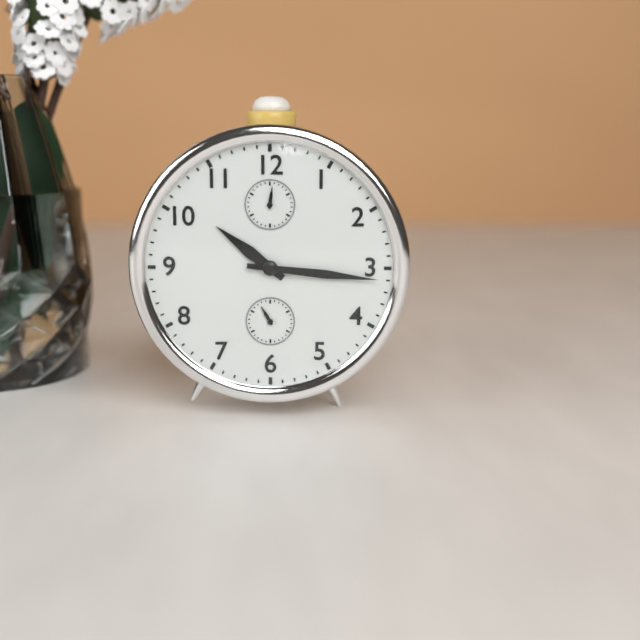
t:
10:16
